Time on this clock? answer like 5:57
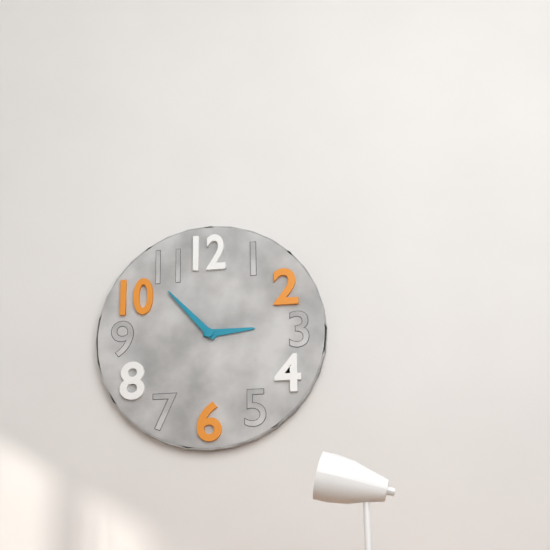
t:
2:53
